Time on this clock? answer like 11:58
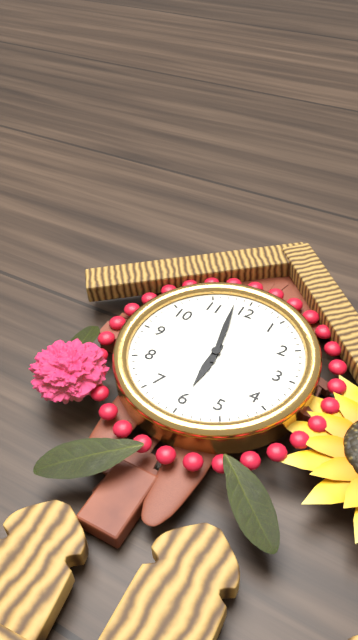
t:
5:58
